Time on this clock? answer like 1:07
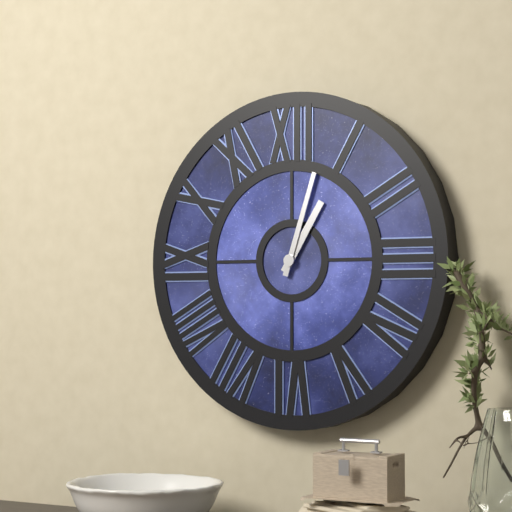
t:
1:03
